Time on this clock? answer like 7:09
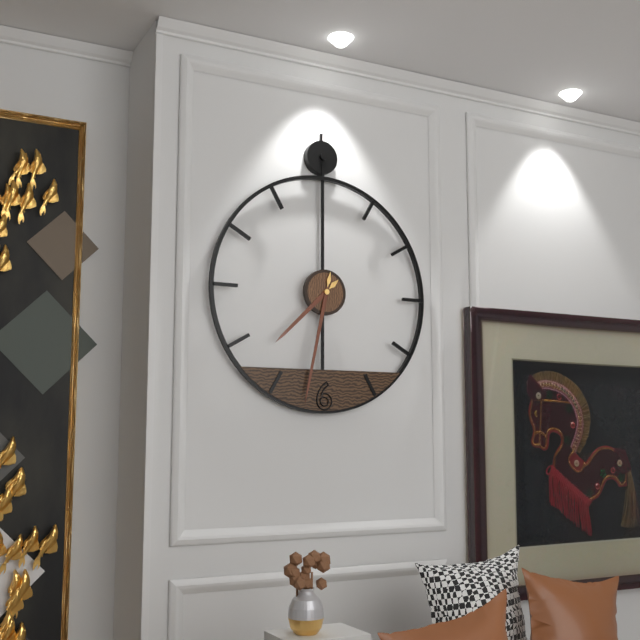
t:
7:32
